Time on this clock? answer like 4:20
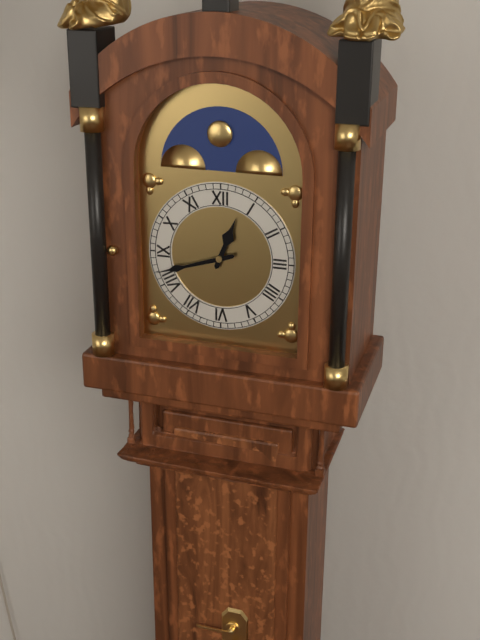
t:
12:42
